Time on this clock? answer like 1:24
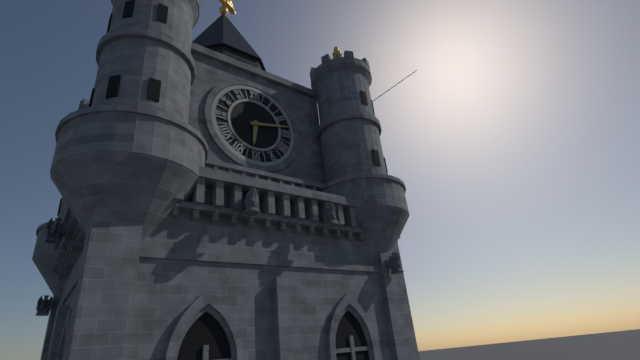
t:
6:13
